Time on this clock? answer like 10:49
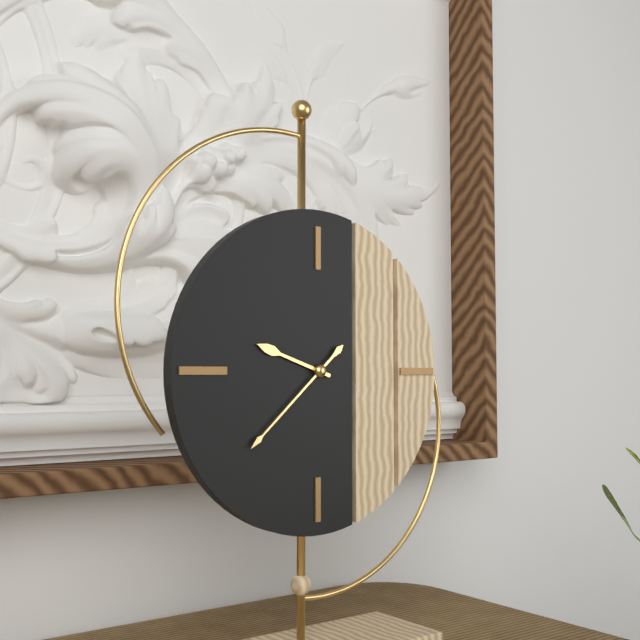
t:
9:38
